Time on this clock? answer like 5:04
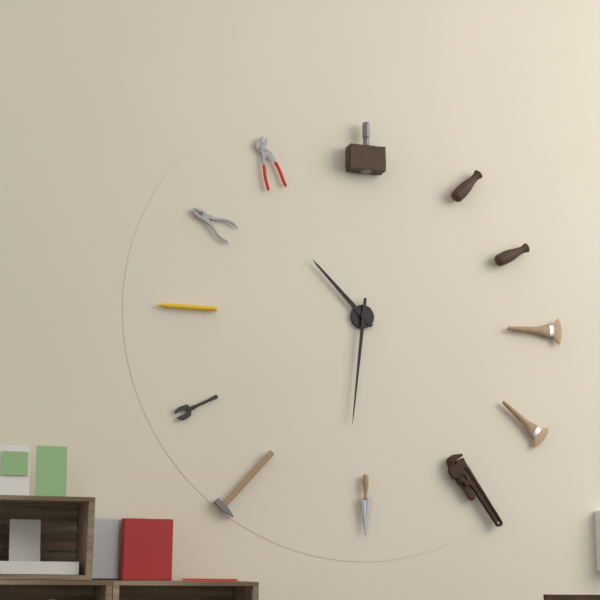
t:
10:31
